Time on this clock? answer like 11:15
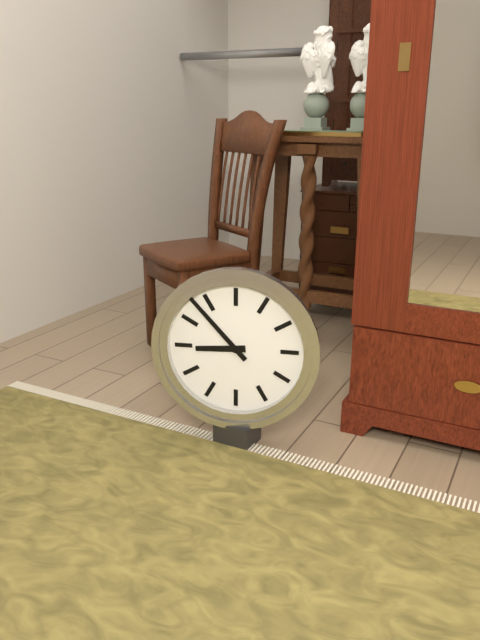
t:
8:53
